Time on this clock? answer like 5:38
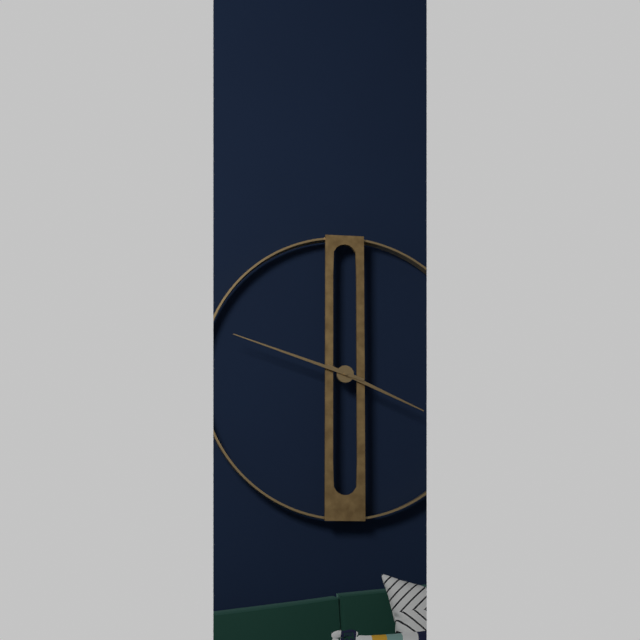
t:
3:48
